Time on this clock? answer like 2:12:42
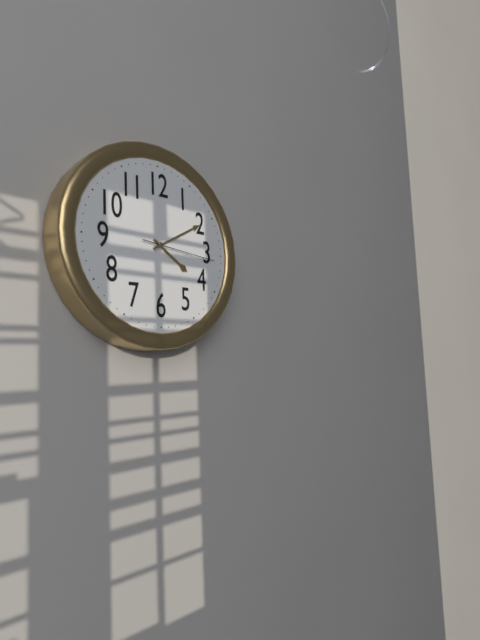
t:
4:10:16
